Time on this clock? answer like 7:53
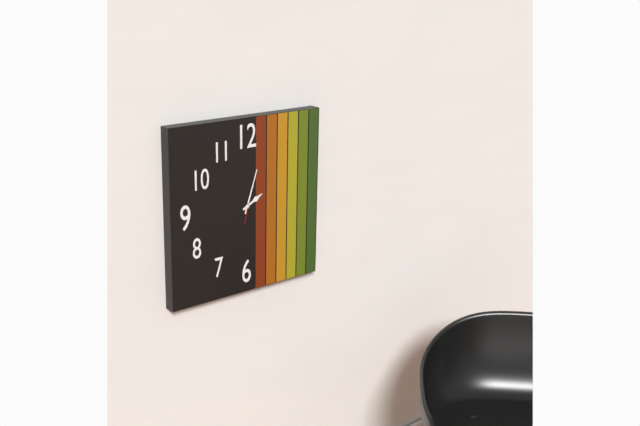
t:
2:03
